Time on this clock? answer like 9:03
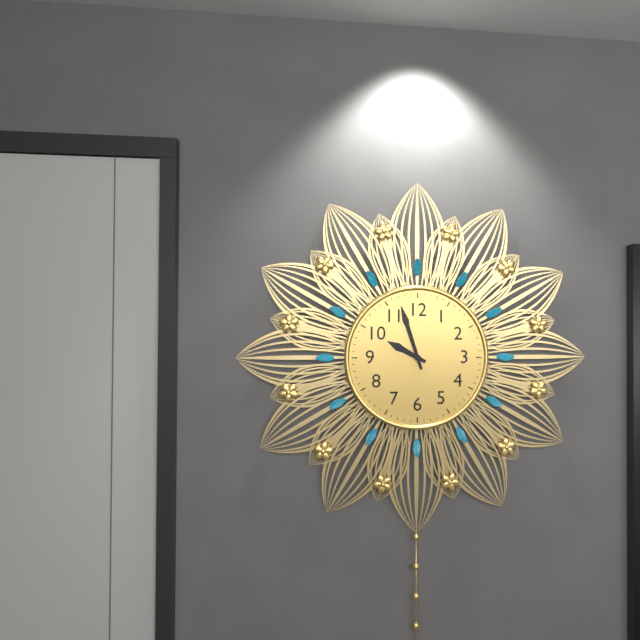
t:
9:57
